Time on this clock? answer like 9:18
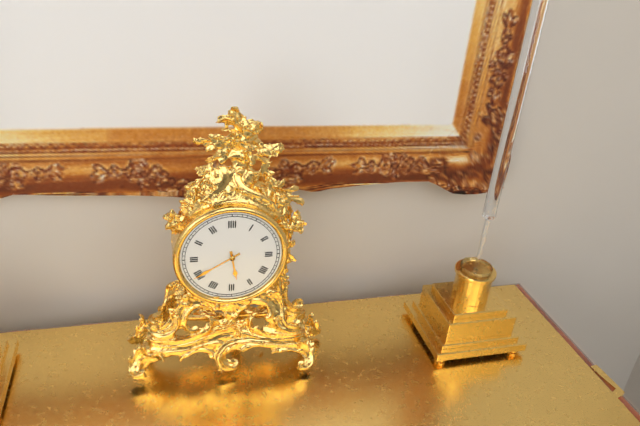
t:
5:40
